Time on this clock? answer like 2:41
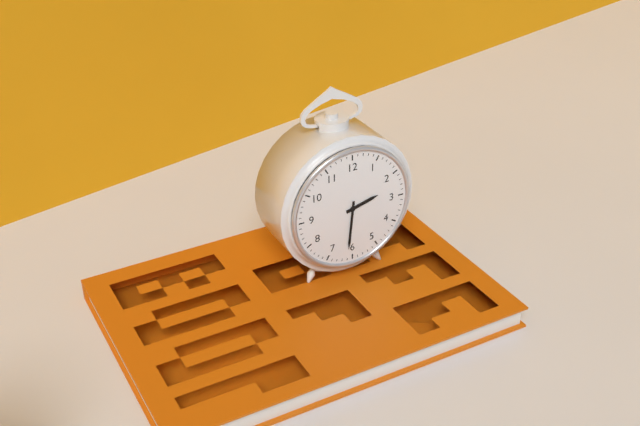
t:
2:31
